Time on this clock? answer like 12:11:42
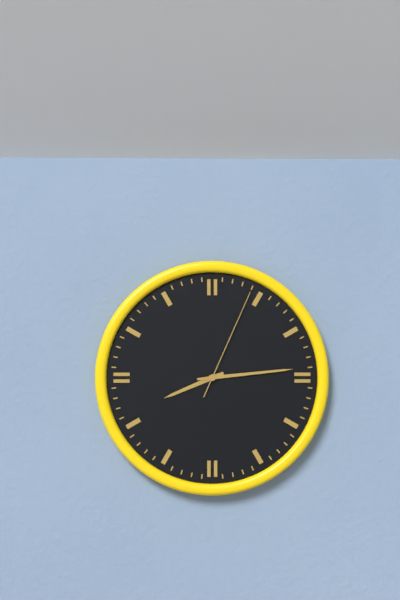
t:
8:14:04
